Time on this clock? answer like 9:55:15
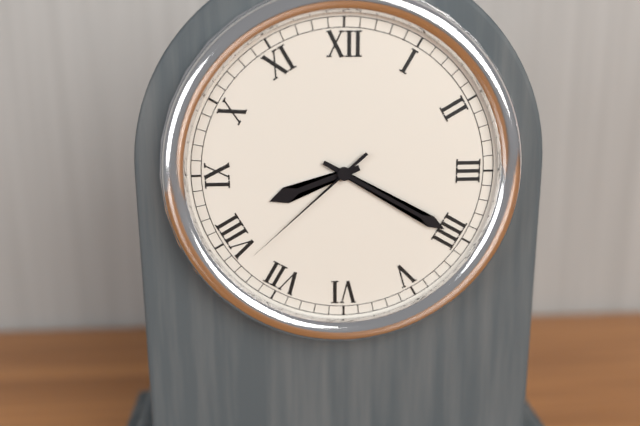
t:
8:20:38
